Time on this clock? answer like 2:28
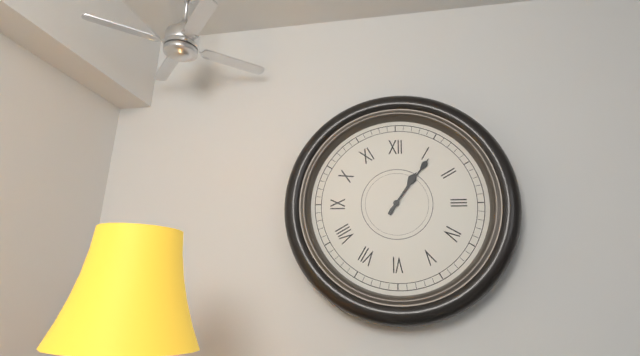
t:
1:06
